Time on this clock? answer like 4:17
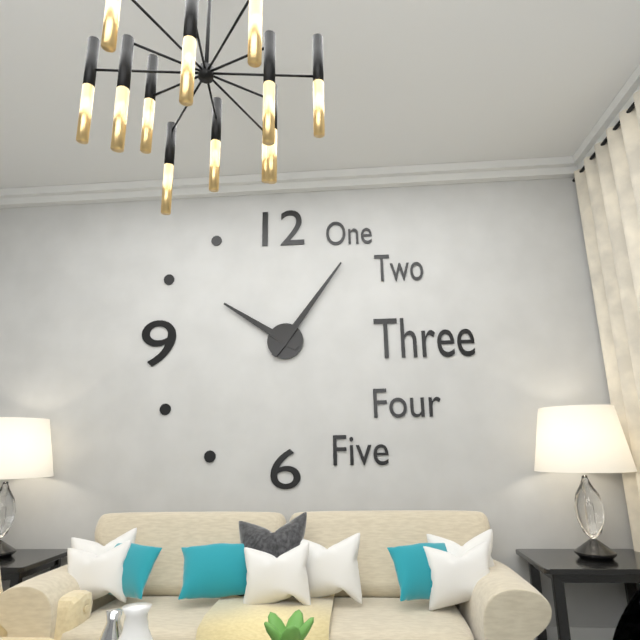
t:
10:06
